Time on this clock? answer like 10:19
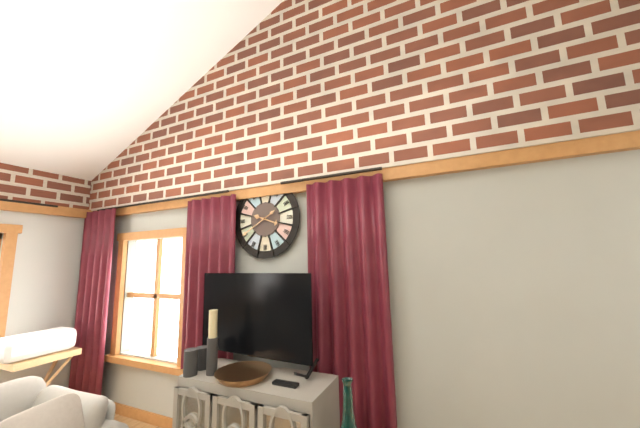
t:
3:40
